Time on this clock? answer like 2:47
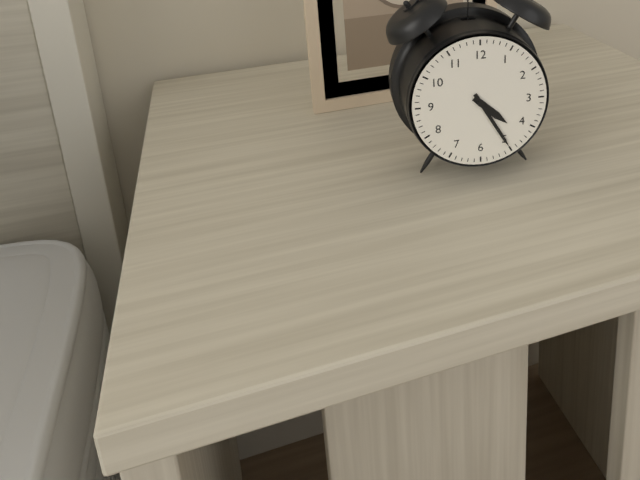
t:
4:25
